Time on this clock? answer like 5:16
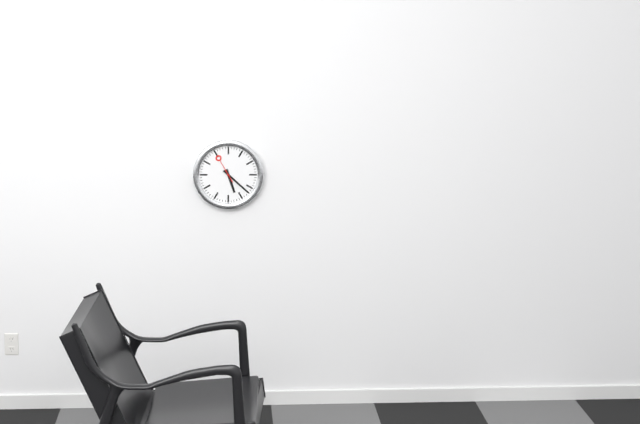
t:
5:22
